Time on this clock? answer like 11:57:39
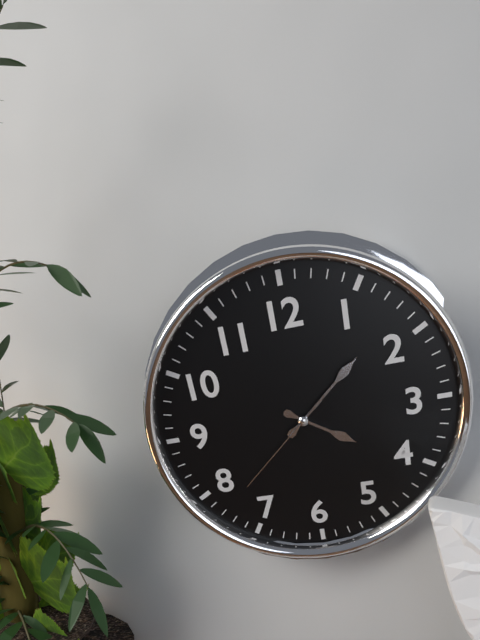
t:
4:08:38
